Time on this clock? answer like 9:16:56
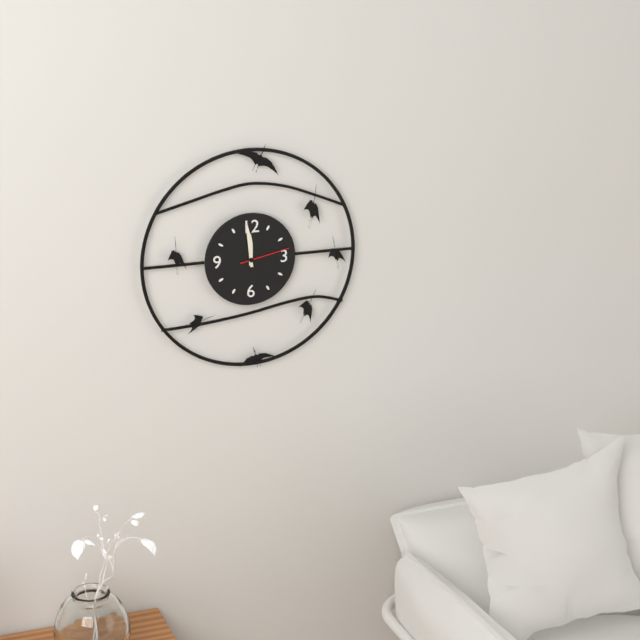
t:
11:59:13
